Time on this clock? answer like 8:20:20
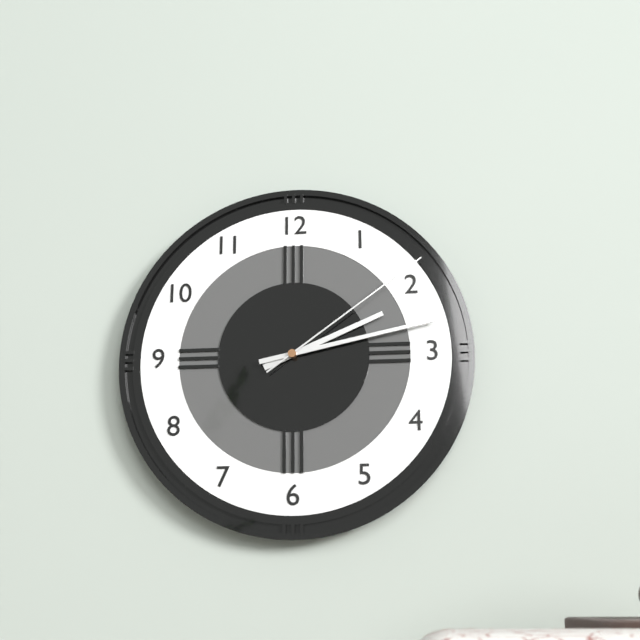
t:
2:13:09
